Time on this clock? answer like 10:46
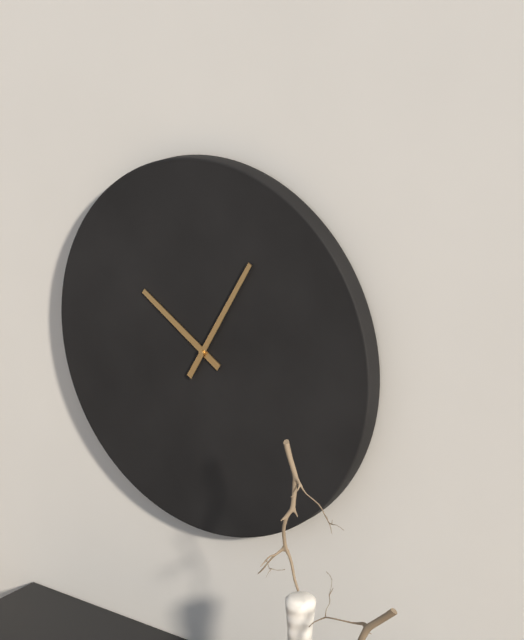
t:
10:05
